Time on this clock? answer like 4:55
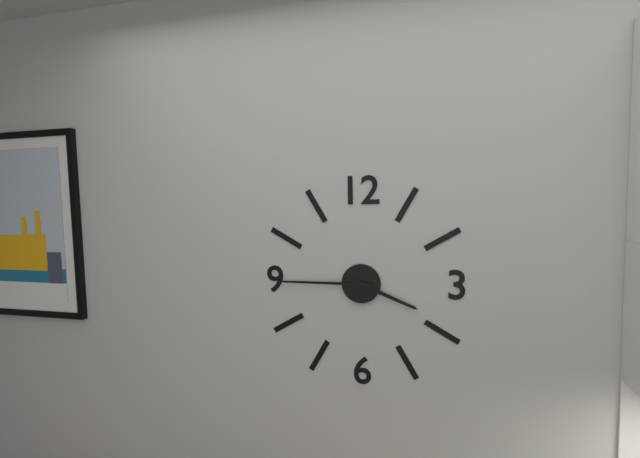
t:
3:45
